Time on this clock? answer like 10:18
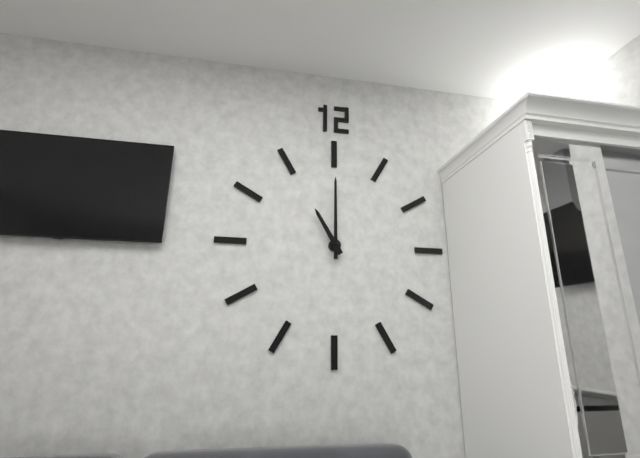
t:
11:00
